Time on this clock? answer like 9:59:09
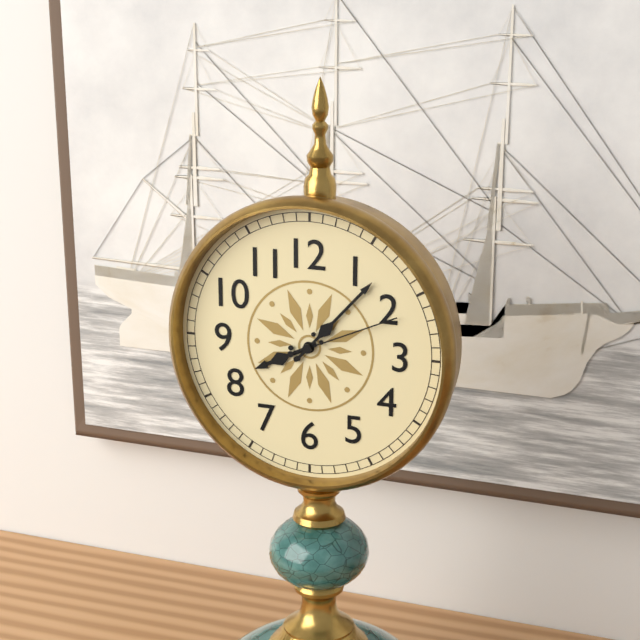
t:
8:07:11
